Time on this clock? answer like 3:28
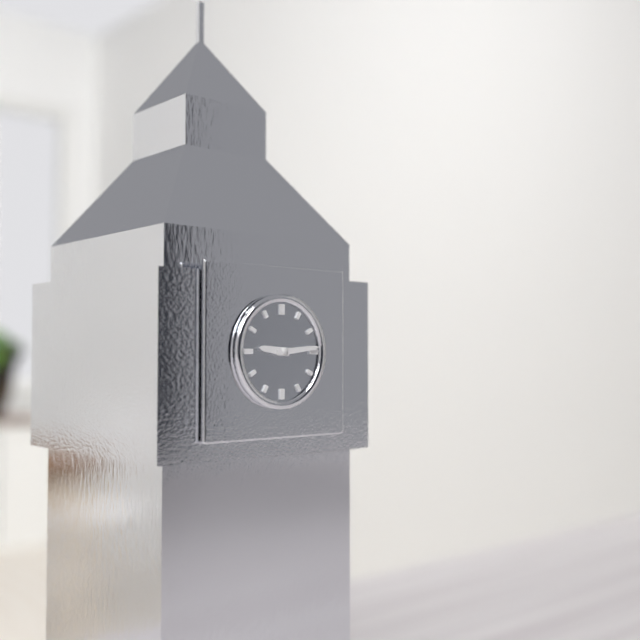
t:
9:14
